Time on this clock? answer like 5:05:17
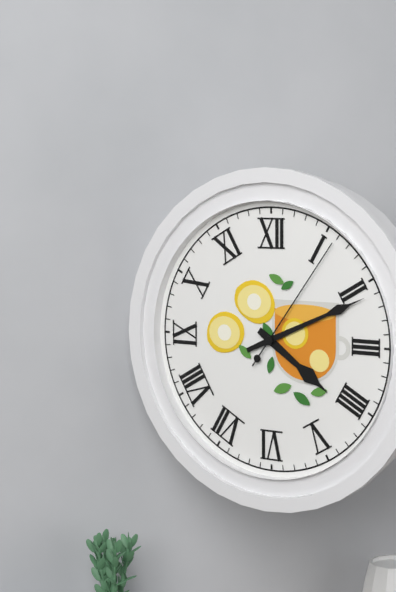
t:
4:11:06
